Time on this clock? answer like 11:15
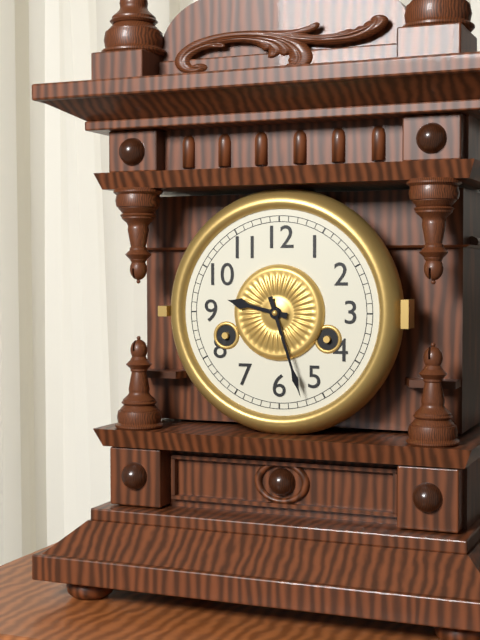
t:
9:27
